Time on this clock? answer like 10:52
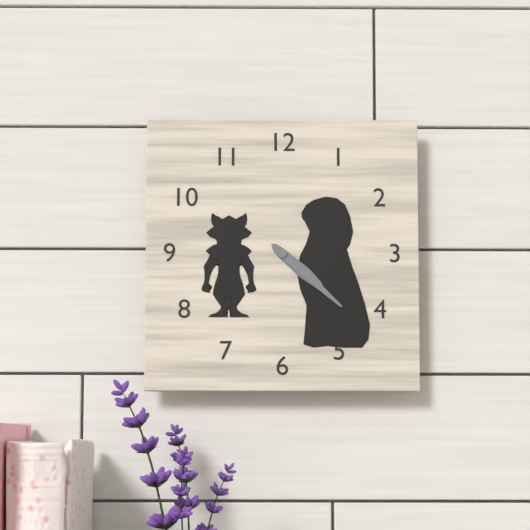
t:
4:22
